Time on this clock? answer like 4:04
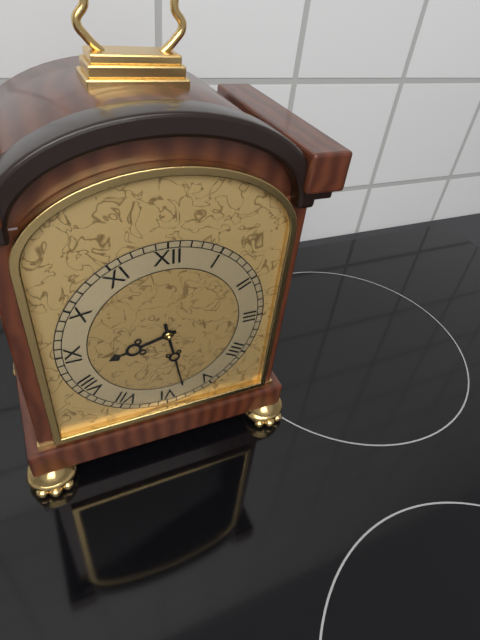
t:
8:28
